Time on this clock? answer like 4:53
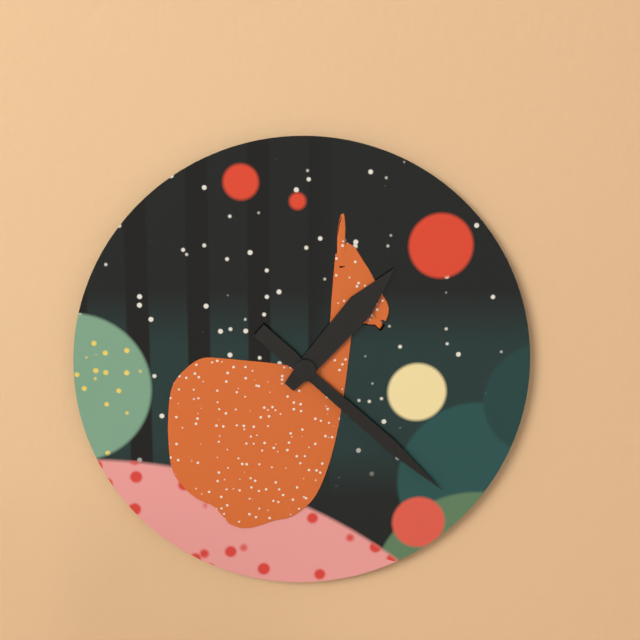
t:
1:22
